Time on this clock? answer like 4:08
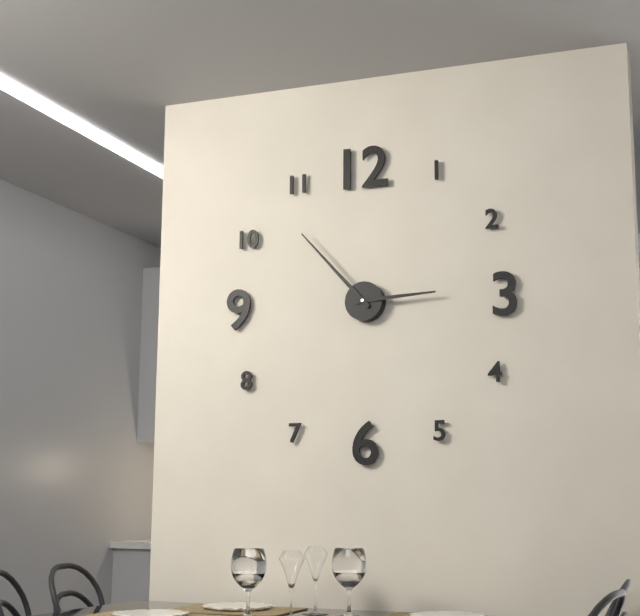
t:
2:53
